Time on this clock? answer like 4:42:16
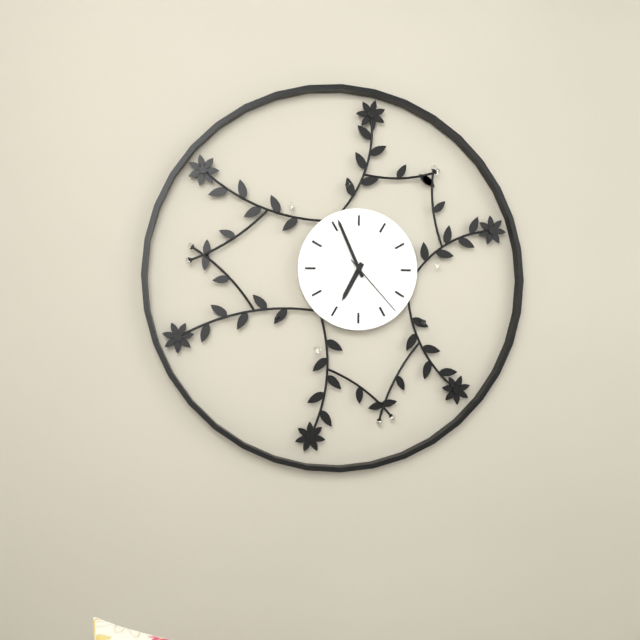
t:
6:56:23
